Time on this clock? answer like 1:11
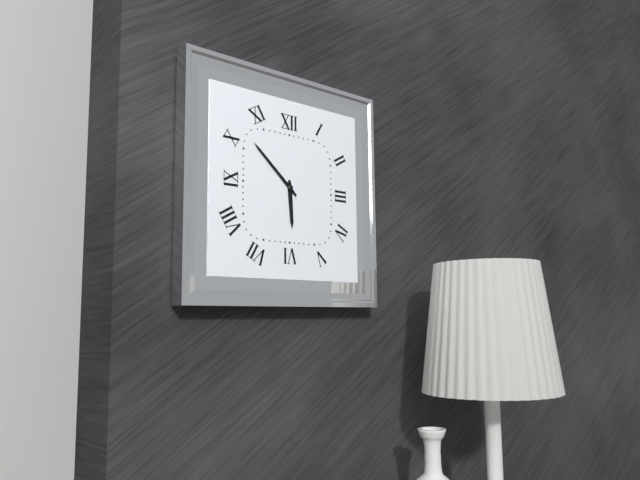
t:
5:52
